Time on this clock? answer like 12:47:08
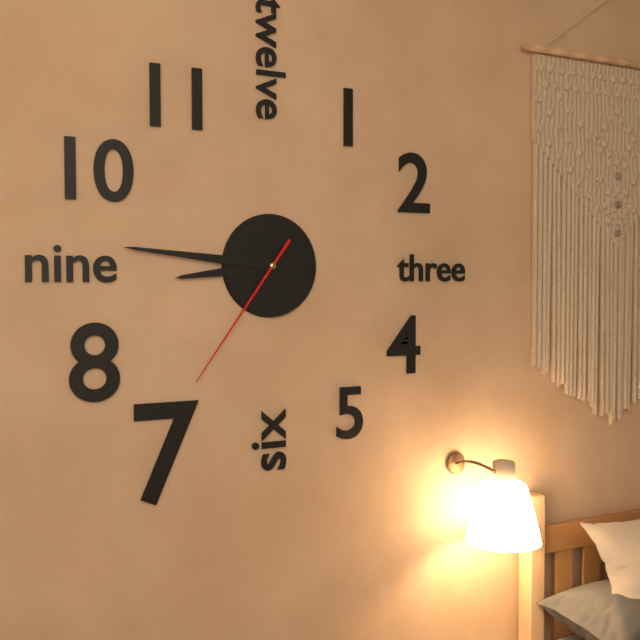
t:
8:46:36
